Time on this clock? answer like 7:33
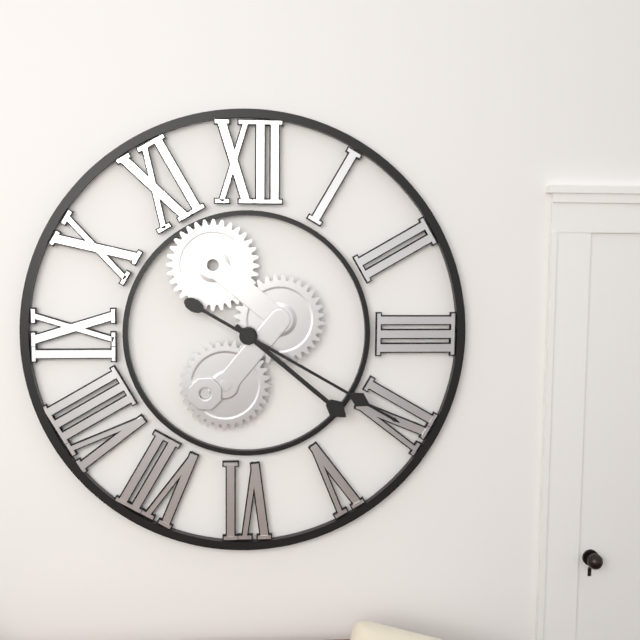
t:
4:20
